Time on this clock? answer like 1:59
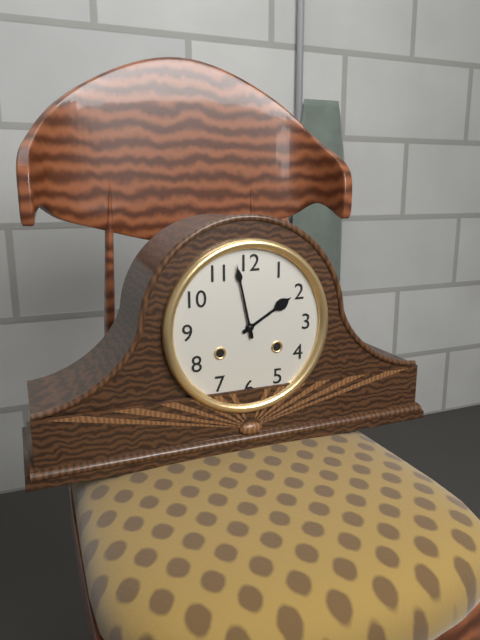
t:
1:58
